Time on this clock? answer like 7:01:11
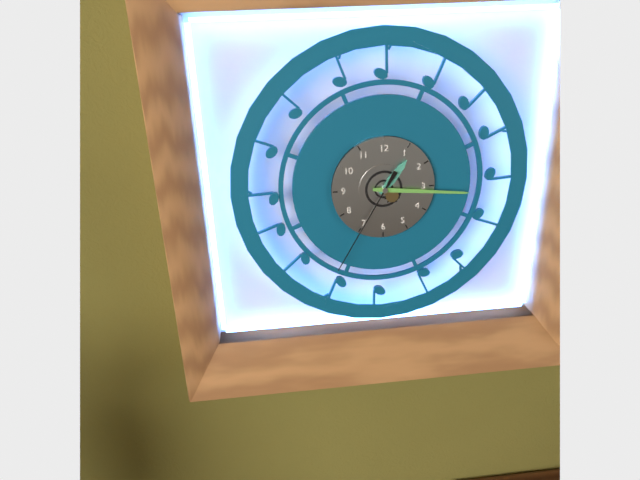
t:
1:16:35
